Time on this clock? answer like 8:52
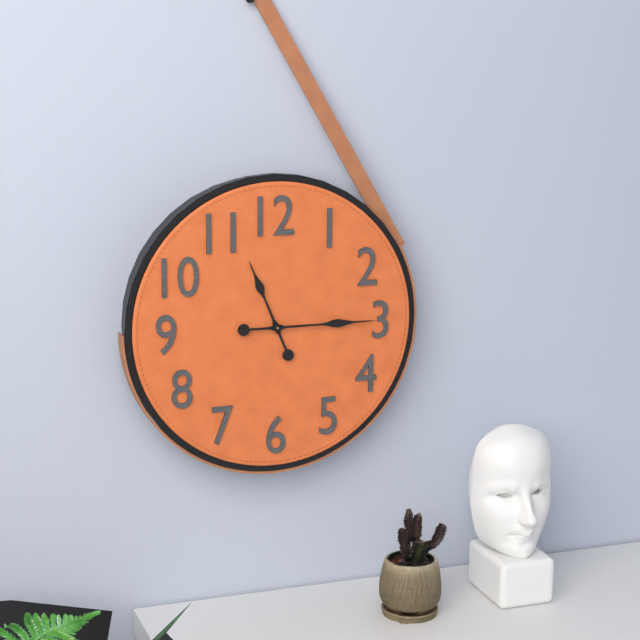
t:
11:15
